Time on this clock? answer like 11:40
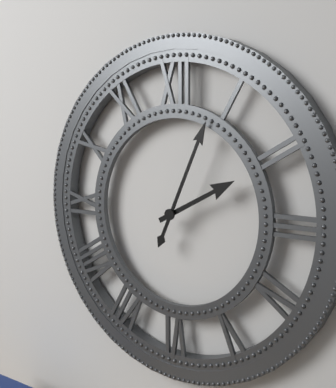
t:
2:04
